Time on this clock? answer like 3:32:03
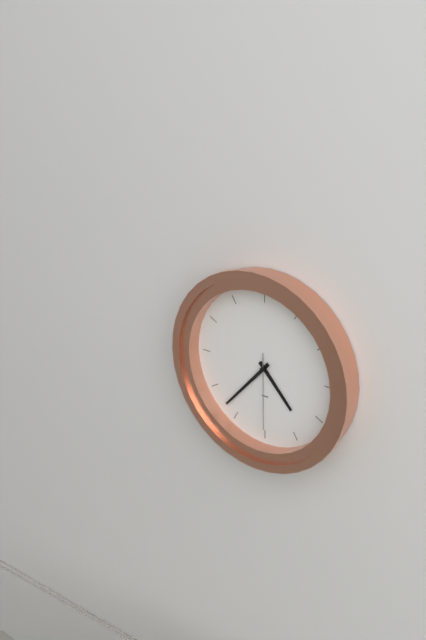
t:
4:37:30
